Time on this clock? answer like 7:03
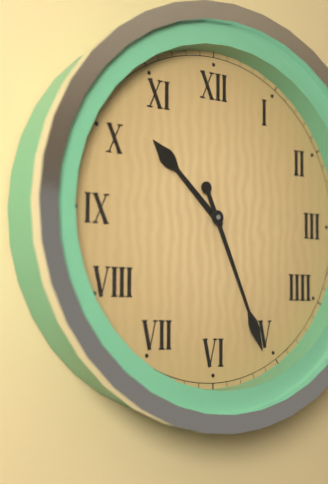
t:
10:26
